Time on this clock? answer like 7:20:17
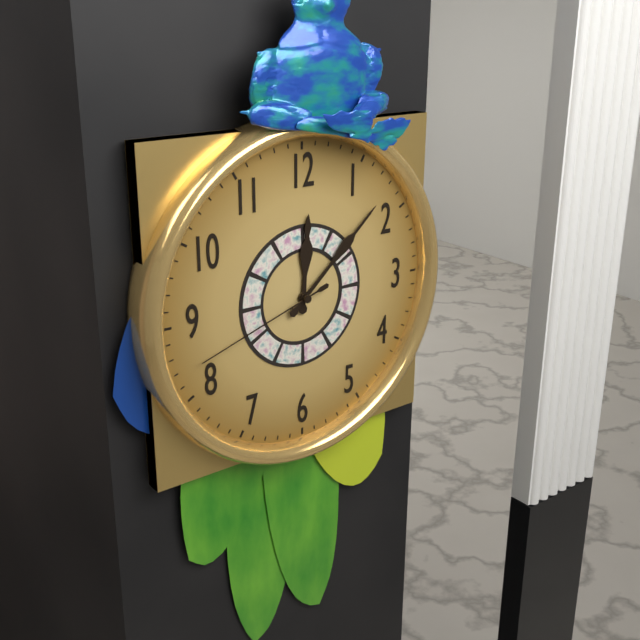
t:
12:08:42
